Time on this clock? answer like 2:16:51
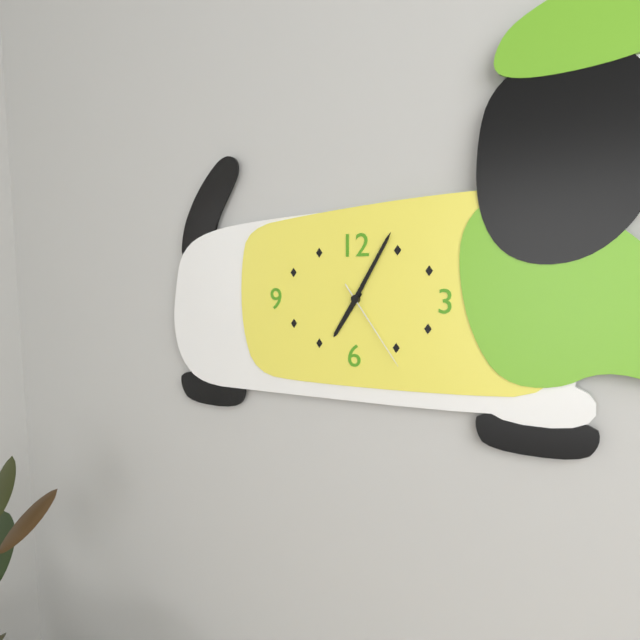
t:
7:05:24
